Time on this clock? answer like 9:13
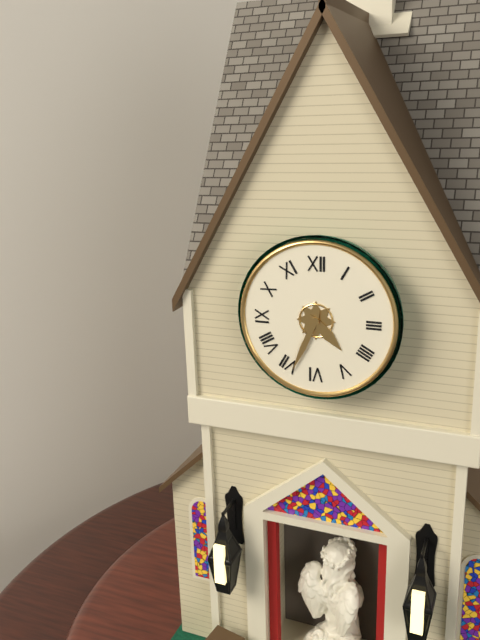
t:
4:34
